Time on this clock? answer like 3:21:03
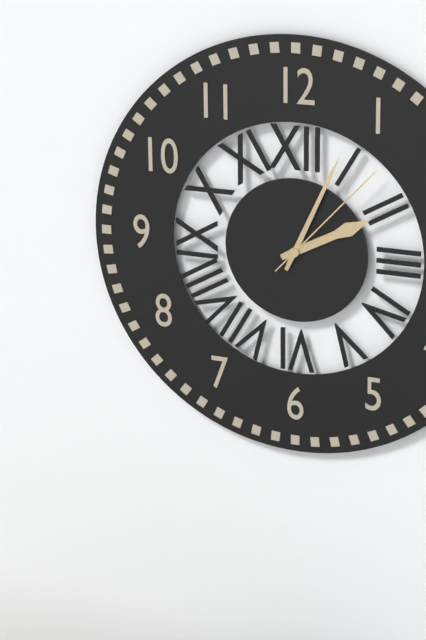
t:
2:04:07
